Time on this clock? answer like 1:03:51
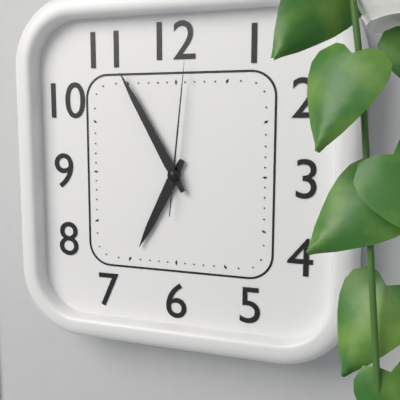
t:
6:55:01
